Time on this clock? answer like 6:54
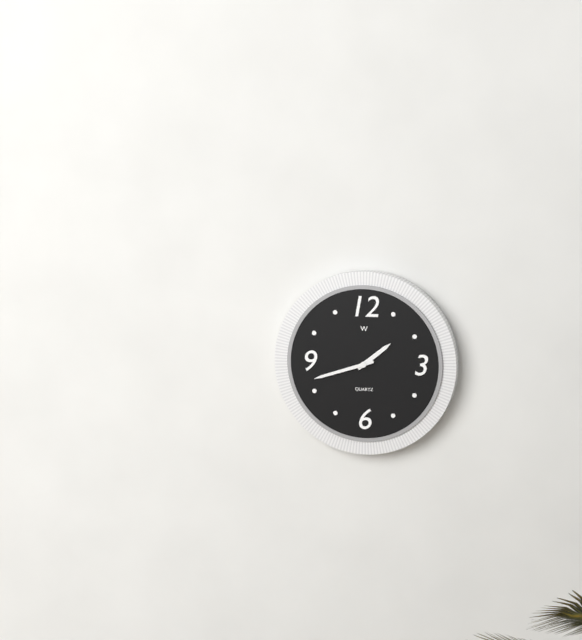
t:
1:42
